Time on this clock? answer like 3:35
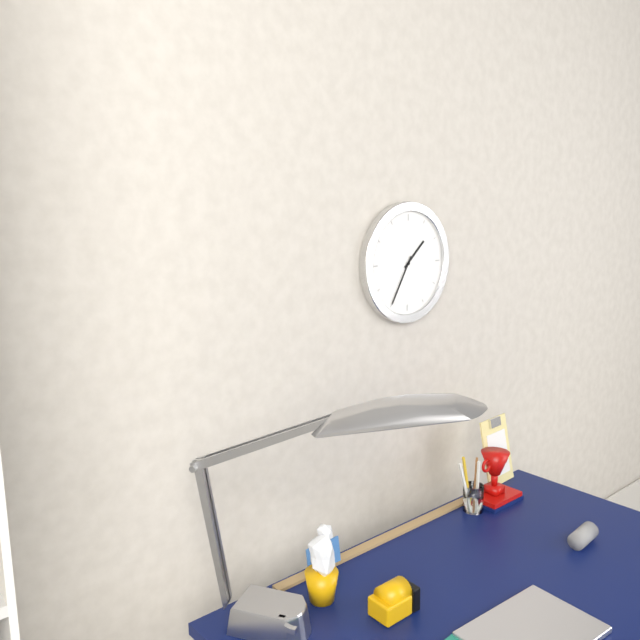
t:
1:35
